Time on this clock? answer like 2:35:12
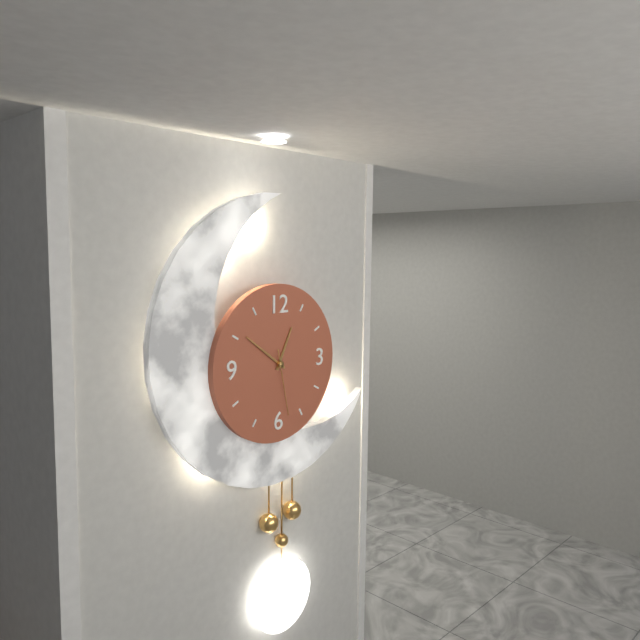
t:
12:51:28
